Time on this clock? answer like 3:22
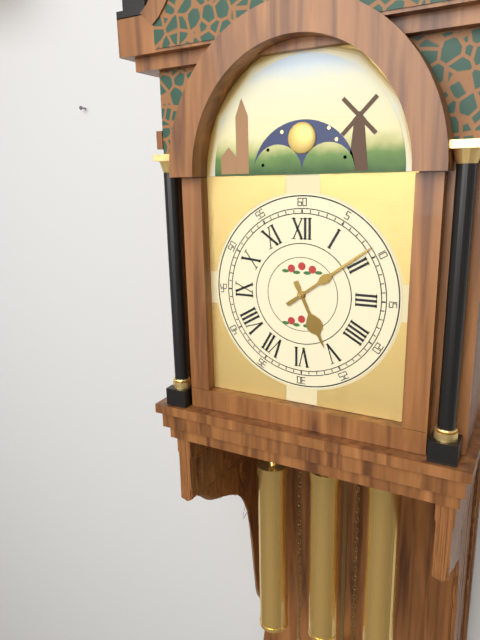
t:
5:09
